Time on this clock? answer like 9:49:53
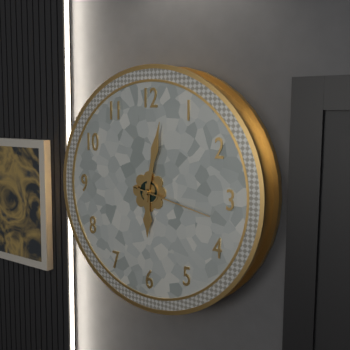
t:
6:02:17
